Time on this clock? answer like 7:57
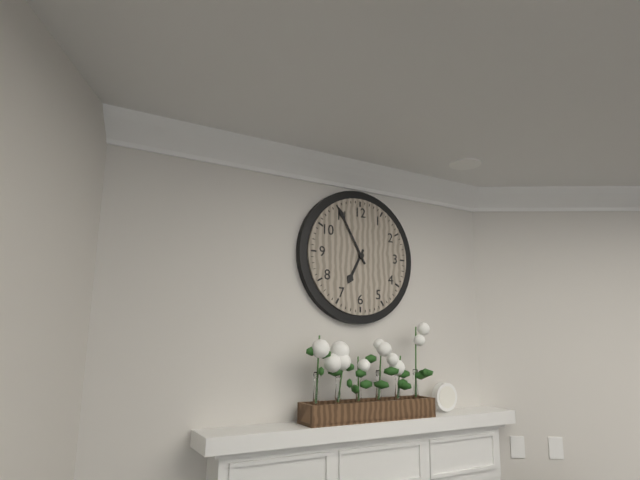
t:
6:55
